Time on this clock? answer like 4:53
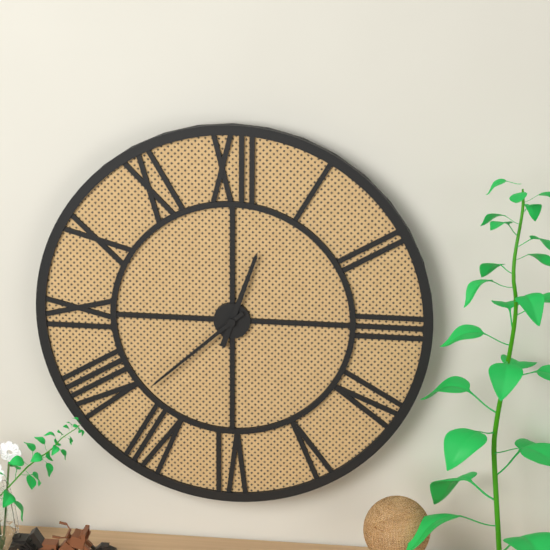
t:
12:38
